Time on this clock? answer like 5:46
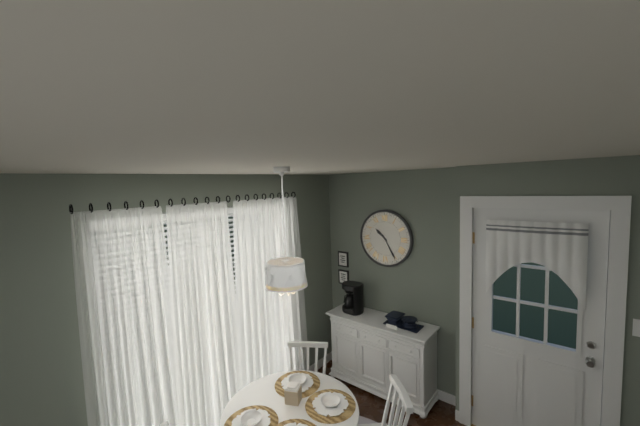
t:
10:25
